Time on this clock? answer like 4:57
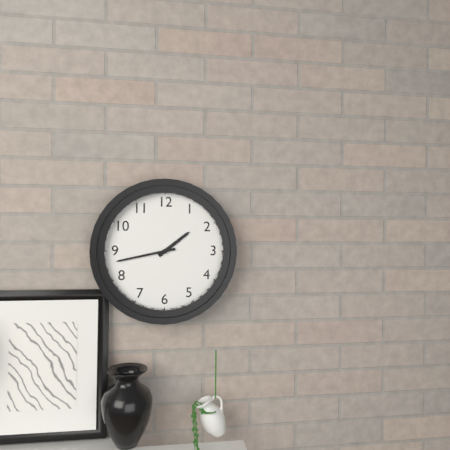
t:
1:43
